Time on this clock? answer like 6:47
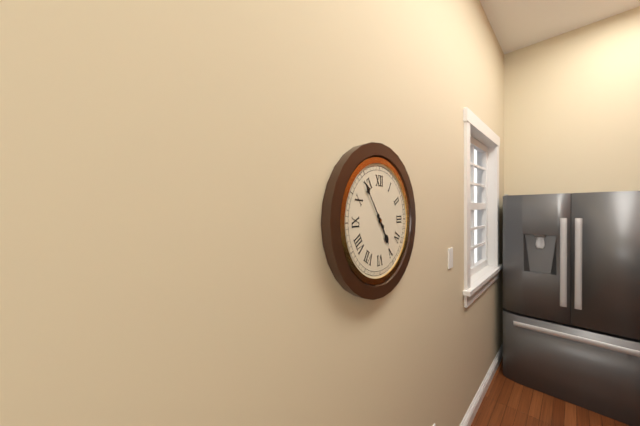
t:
4:54
